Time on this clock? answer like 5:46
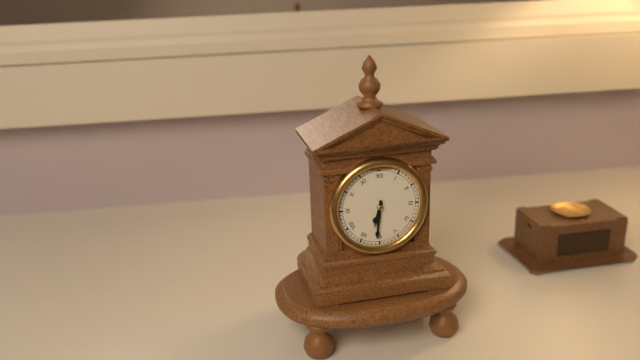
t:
6:31
